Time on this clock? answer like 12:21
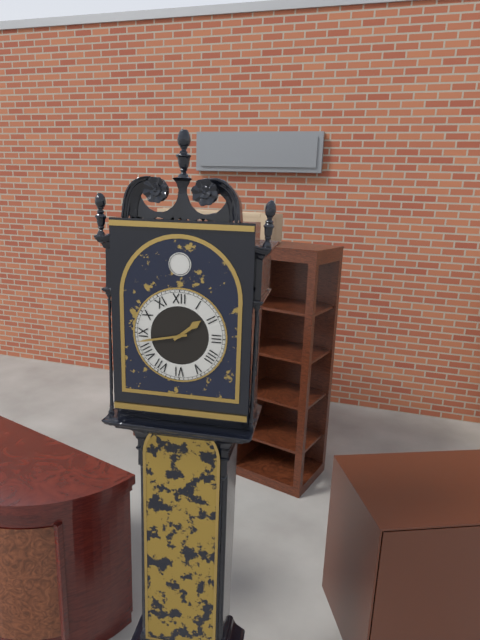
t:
1:43
